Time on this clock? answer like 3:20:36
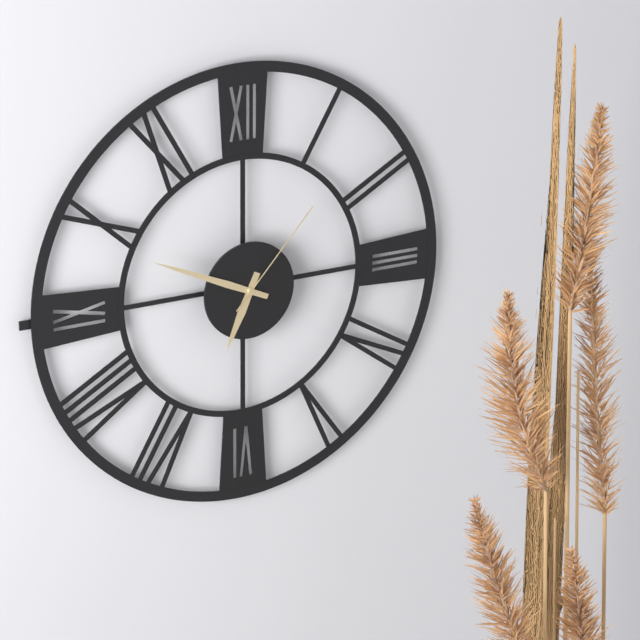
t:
6:49:07
